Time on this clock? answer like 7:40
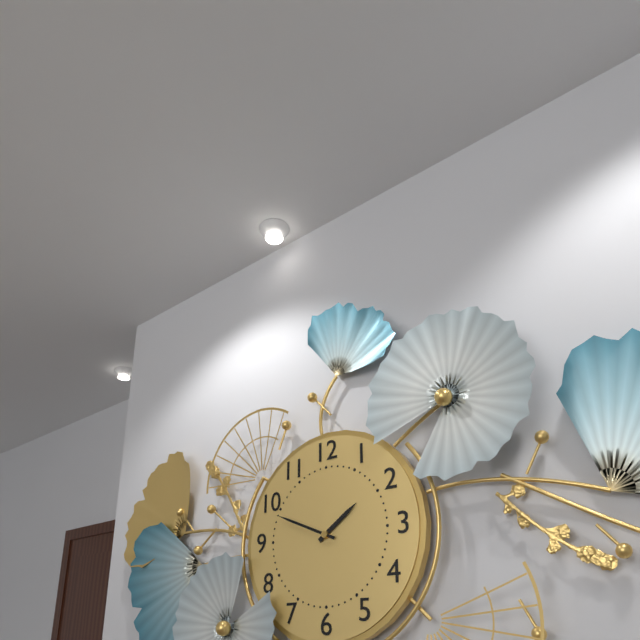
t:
1:49
